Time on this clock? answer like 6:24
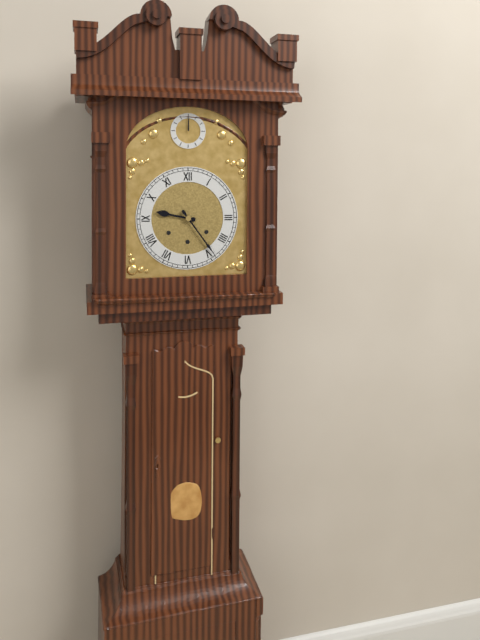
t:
9:24
